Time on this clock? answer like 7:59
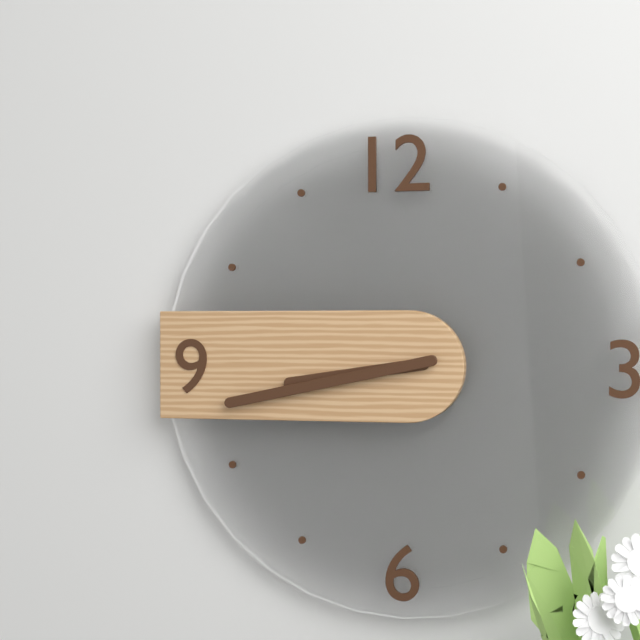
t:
8:43
